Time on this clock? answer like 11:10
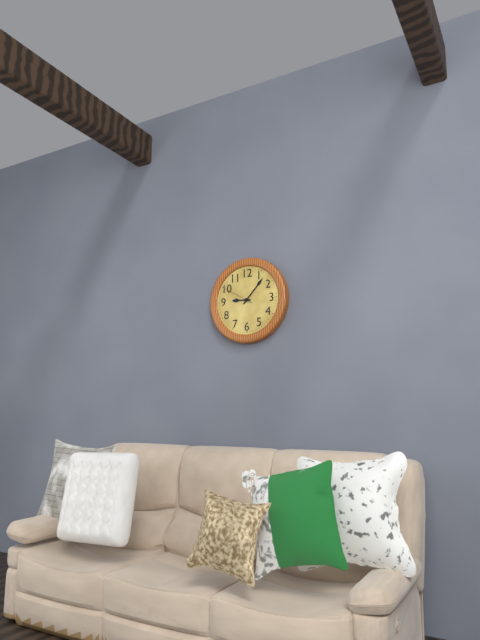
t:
9:07
